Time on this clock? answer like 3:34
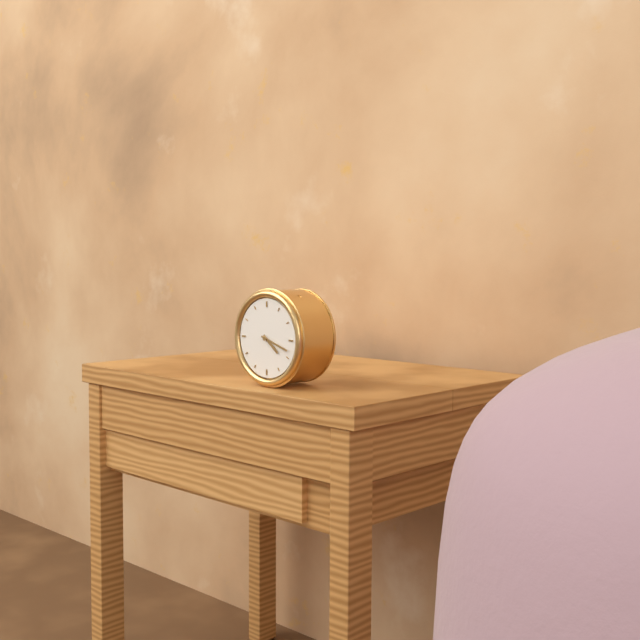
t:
4:18
